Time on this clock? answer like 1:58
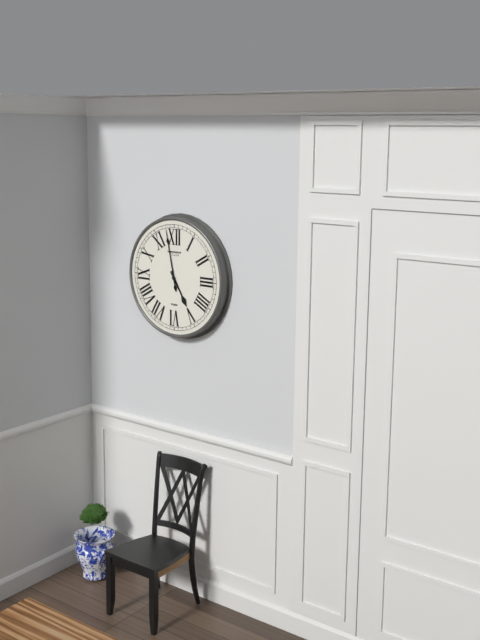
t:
4:58
